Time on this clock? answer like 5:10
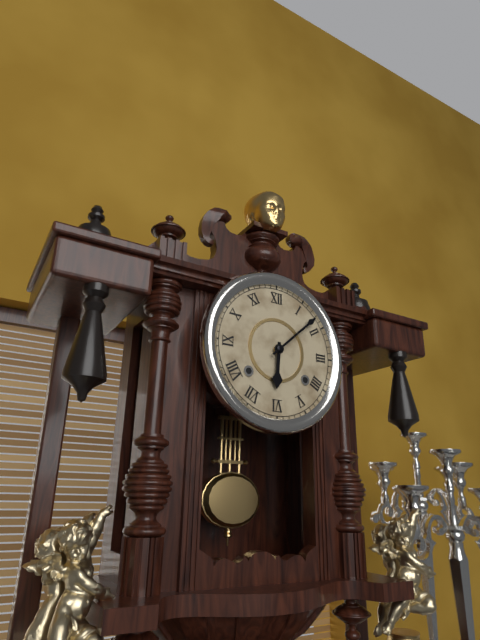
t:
6:08
